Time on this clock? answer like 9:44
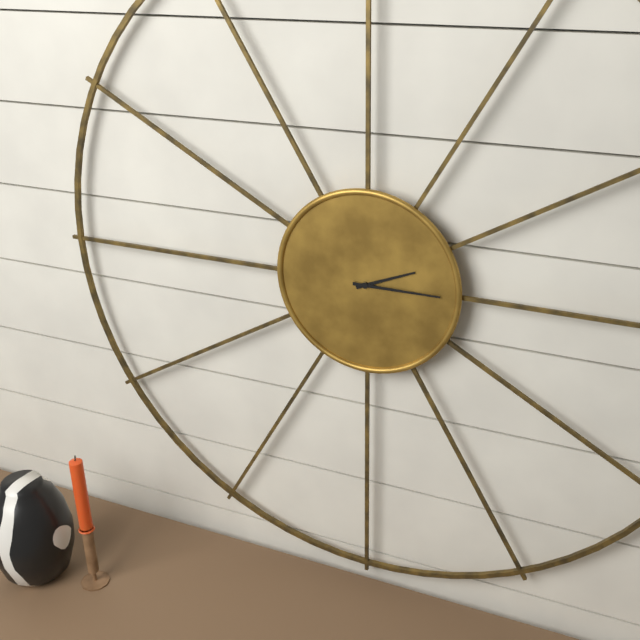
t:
2:15
